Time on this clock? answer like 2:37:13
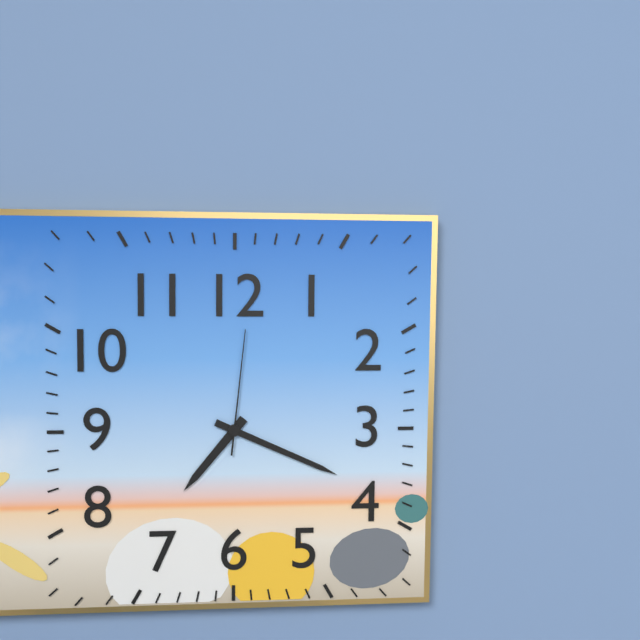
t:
7:19:01
